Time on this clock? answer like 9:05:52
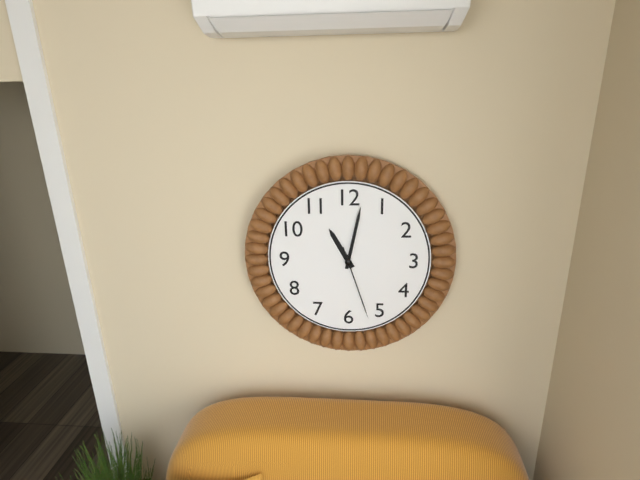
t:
11:02:27
